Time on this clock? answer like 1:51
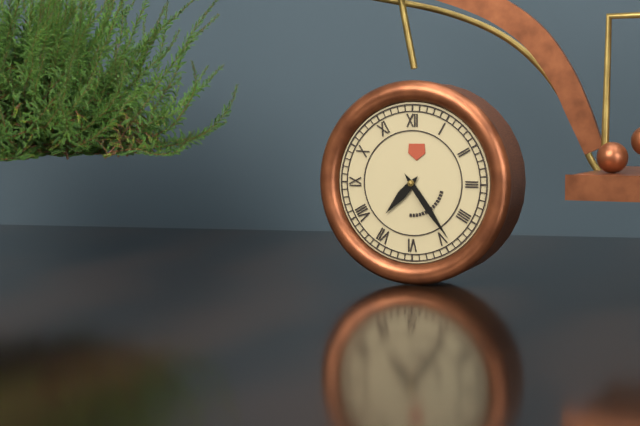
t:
7:24
